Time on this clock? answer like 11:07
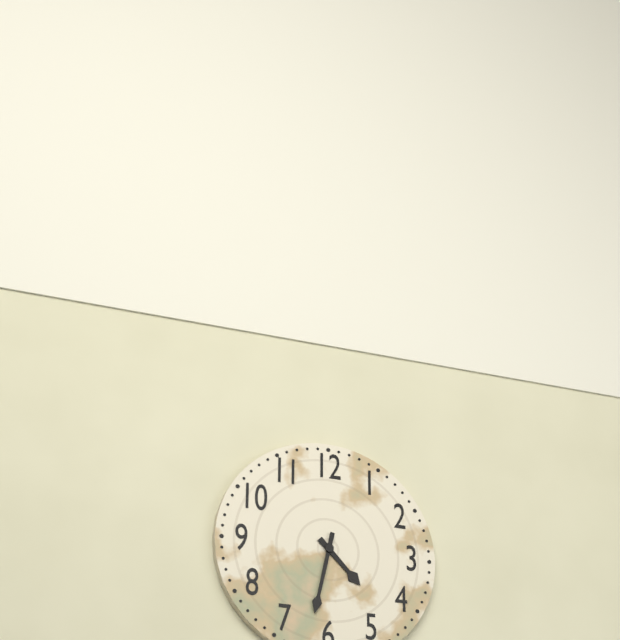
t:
4:32
